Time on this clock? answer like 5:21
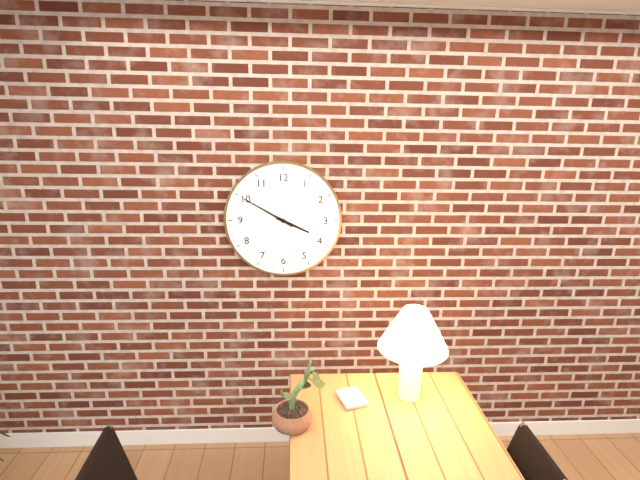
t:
3:50
